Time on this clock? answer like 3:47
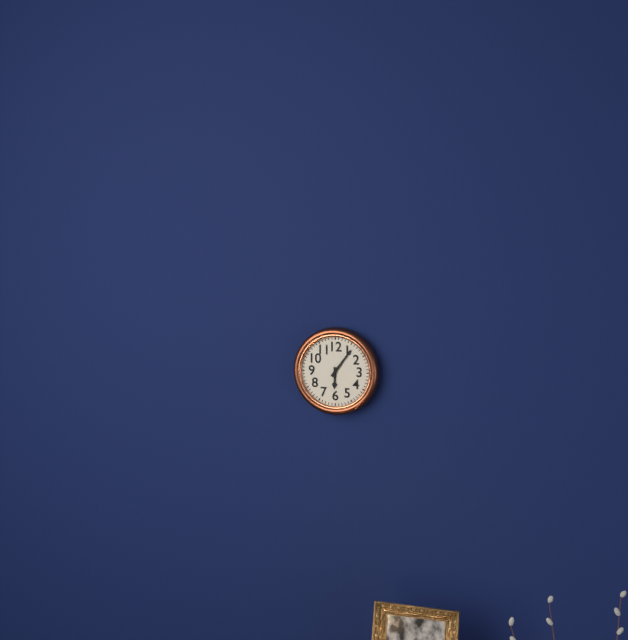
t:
6:06
